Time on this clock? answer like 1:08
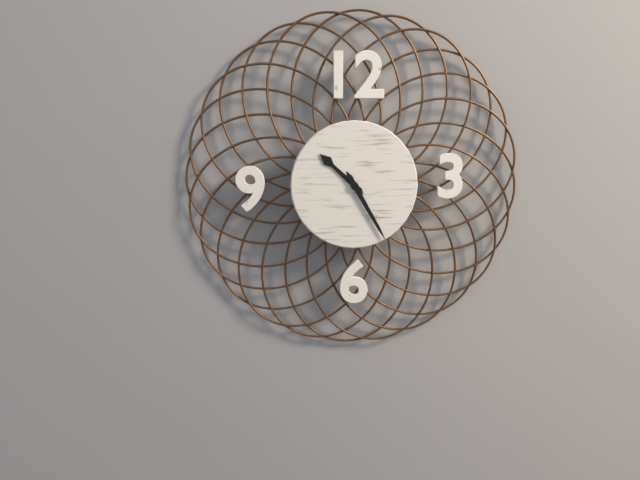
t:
10:25
